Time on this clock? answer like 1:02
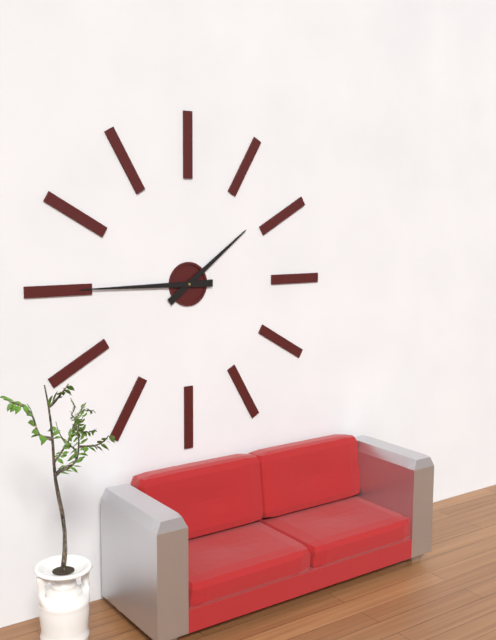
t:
1:45
